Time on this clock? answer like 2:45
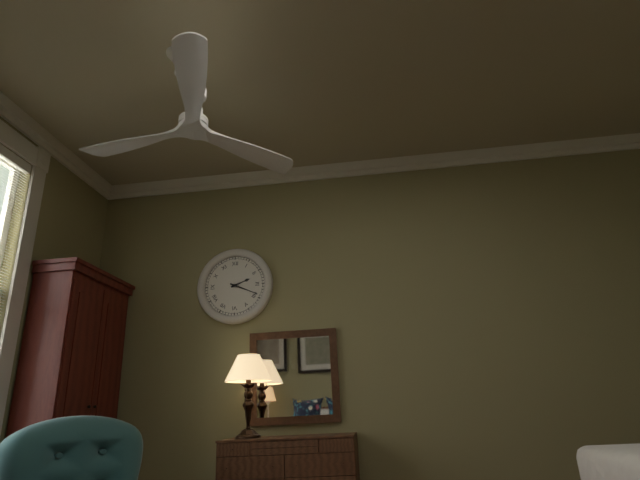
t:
2:19
